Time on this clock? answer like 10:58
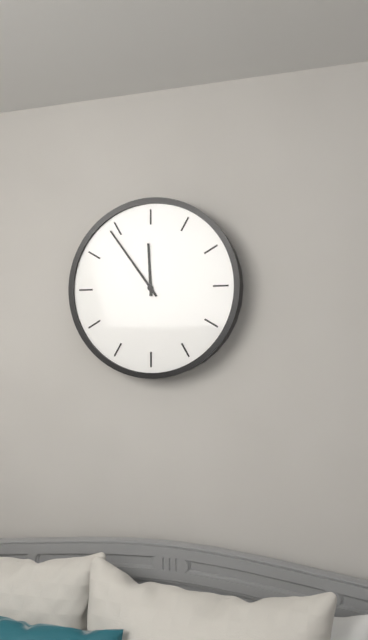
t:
11:54
